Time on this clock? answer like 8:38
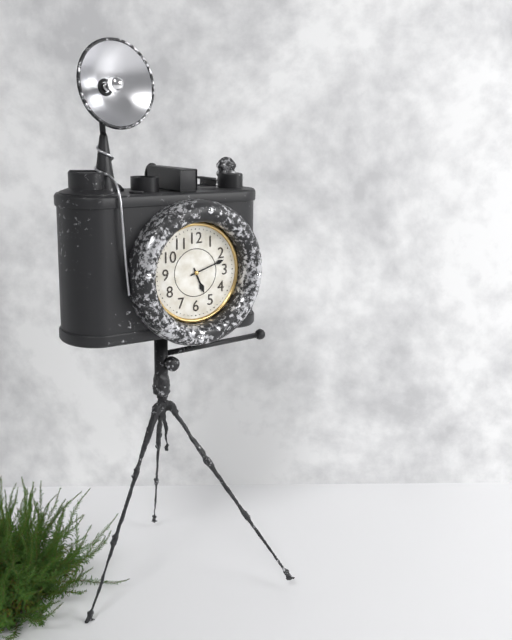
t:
5:12
